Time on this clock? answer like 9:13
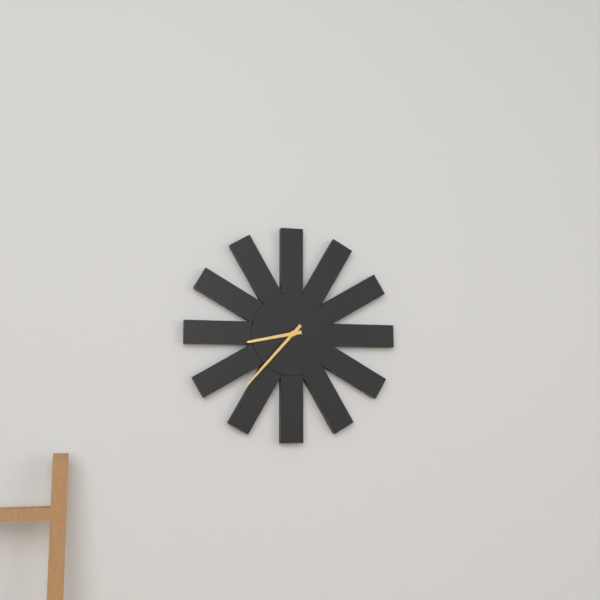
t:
8:37
